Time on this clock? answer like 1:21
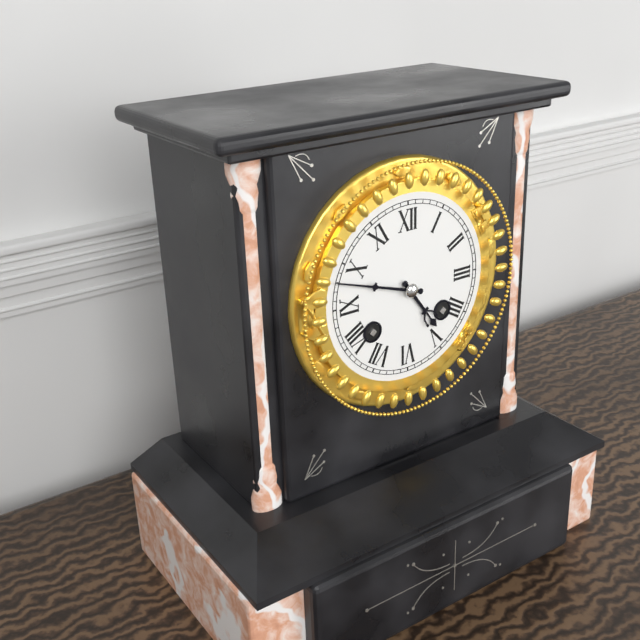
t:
4:48
